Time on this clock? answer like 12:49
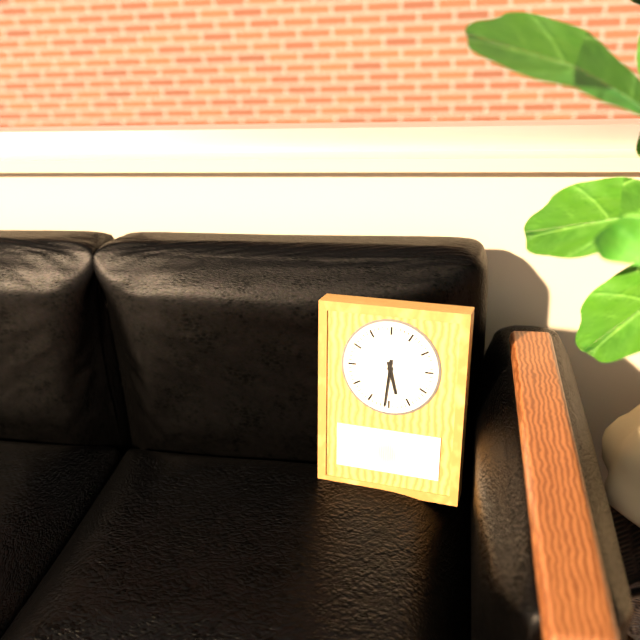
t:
5:31
